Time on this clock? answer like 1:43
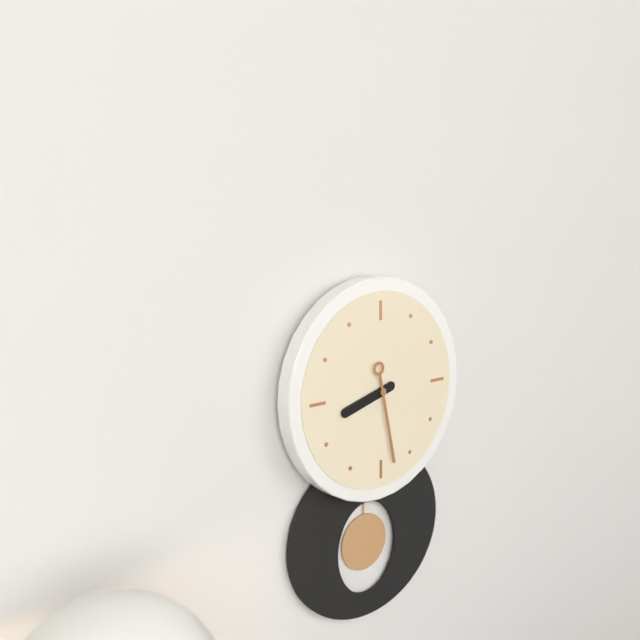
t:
8:28
